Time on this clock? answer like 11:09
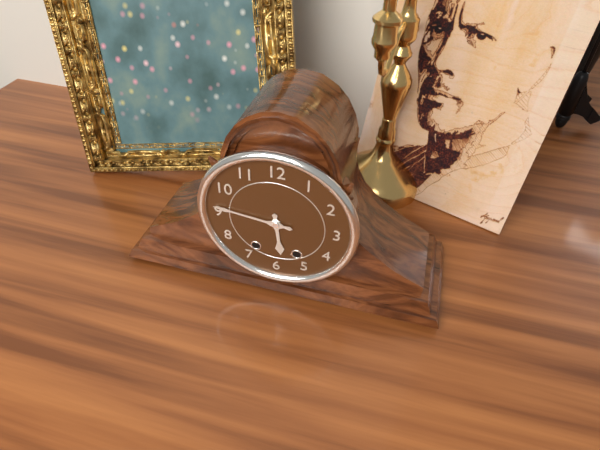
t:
5:46
